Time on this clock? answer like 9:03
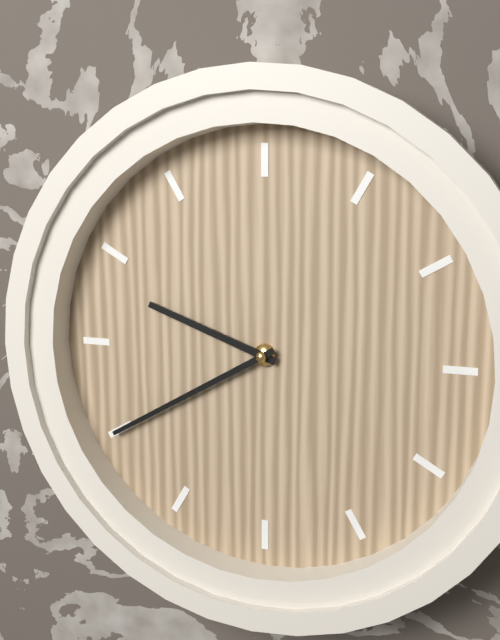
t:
9:40
